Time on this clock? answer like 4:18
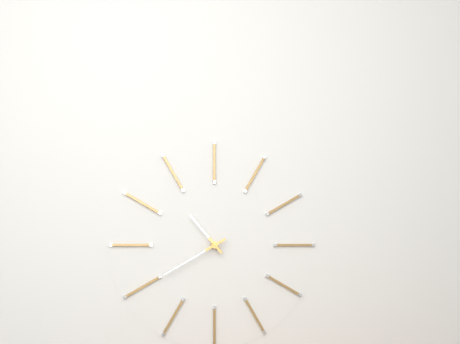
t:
10:40
